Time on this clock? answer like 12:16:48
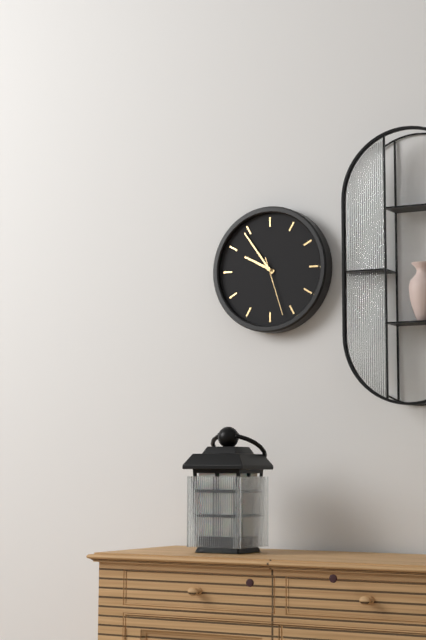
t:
9:54:27
